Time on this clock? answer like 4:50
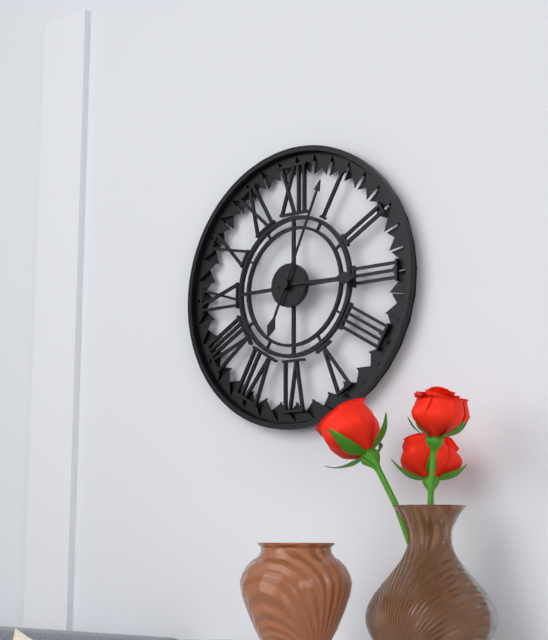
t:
3:04
